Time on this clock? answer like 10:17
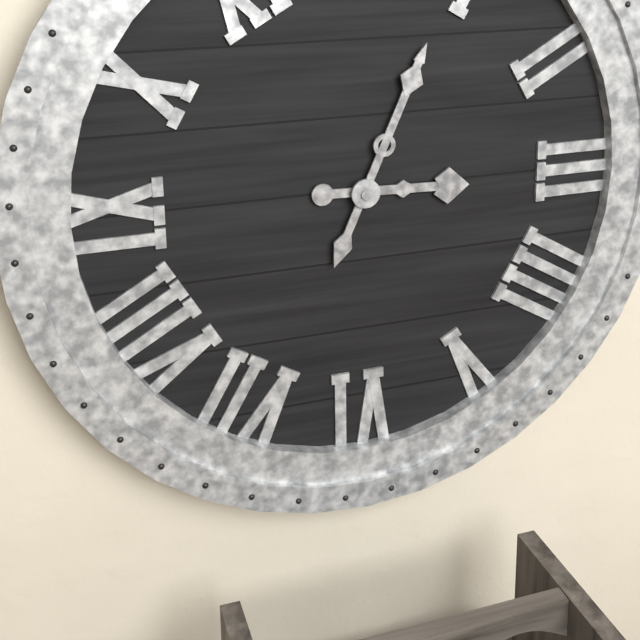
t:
3:04
